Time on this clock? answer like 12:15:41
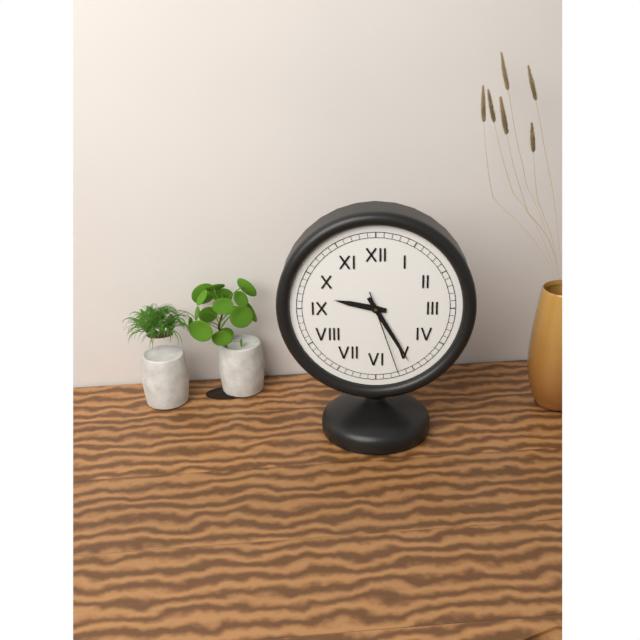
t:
9:25:27
